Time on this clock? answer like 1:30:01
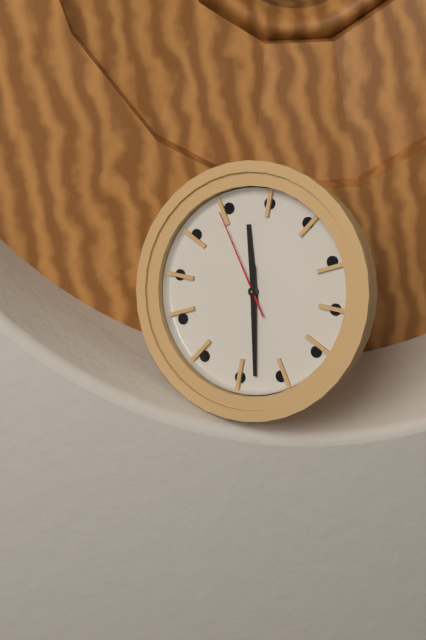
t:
11:28:54
